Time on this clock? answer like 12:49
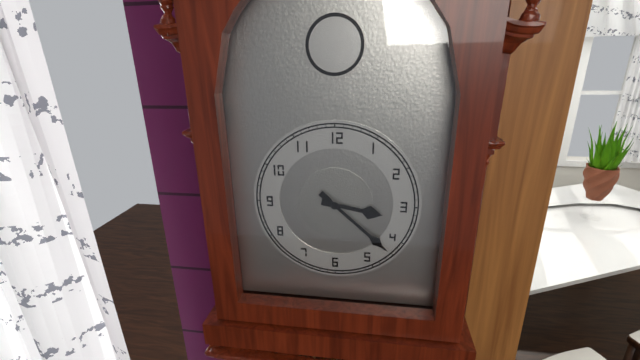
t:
3:22
